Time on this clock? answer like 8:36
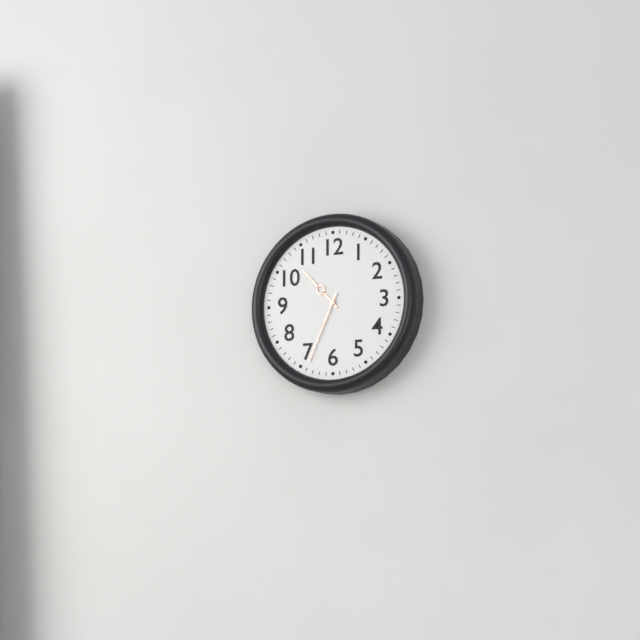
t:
10:34
